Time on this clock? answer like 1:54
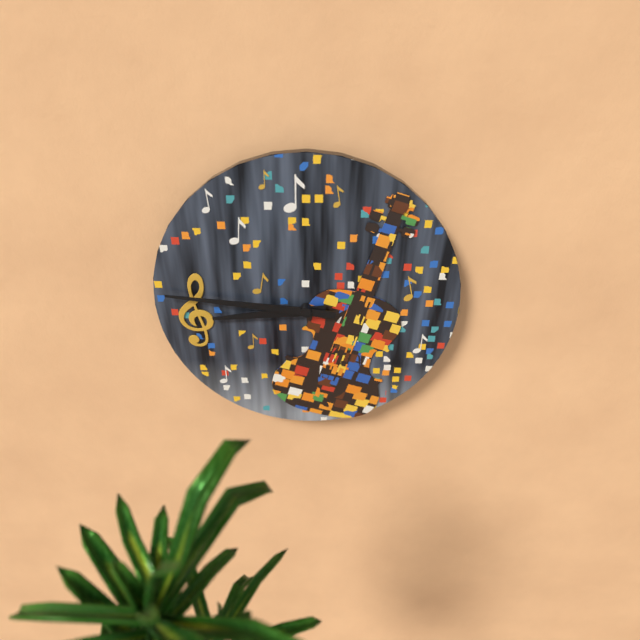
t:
8:46
